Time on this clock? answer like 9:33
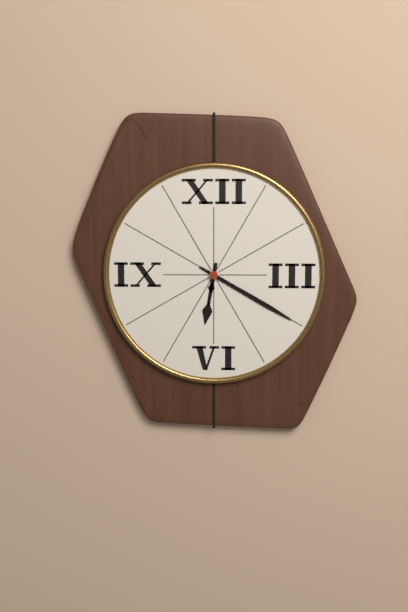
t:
6:20
